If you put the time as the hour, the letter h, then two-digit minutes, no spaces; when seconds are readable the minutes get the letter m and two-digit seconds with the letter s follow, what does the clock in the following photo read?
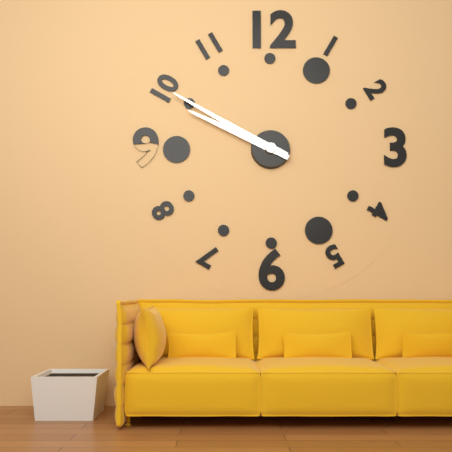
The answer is 9h50
